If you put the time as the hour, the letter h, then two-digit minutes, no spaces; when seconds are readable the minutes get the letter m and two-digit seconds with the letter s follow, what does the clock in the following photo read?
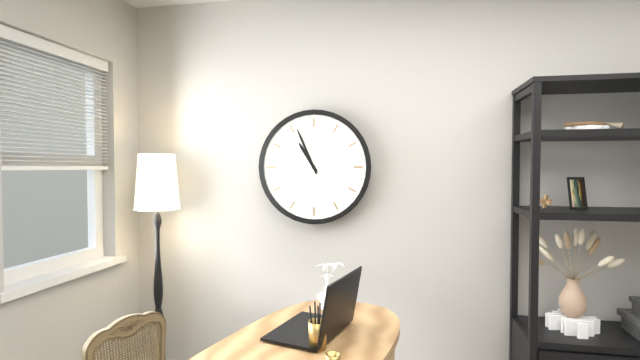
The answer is 10h56
